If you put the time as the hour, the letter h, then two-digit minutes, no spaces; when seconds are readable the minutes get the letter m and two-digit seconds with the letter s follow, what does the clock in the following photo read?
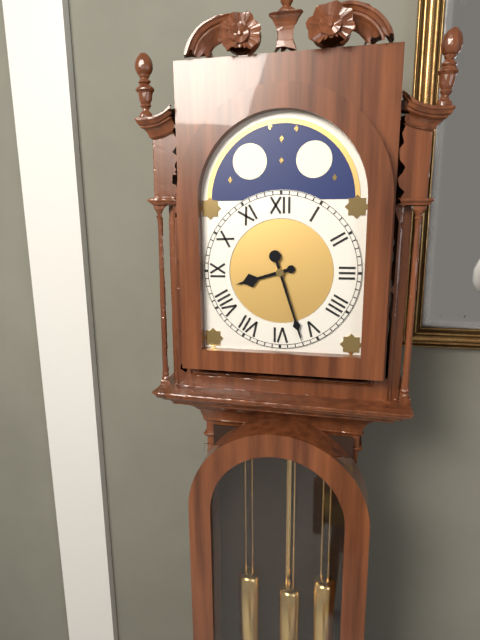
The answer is 8h27
